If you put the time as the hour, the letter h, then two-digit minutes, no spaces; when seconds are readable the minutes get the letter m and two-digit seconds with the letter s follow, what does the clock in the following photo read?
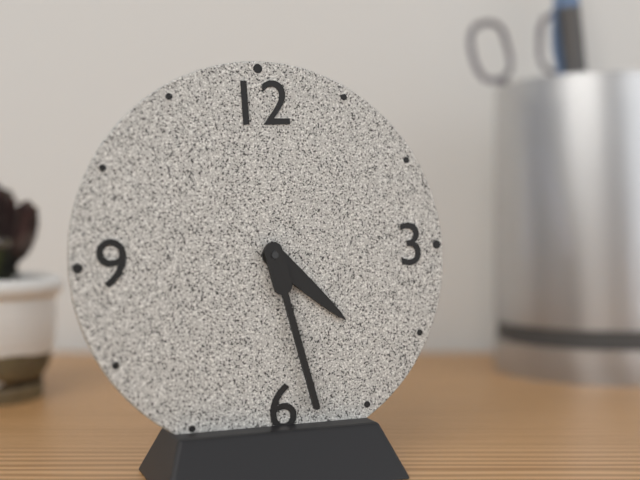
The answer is 4h28
